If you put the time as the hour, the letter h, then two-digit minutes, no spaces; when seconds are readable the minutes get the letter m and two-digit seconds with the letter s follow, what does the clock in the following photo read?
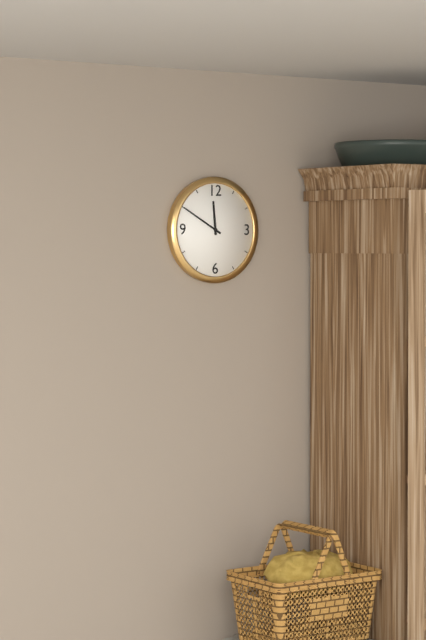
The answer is 11h50
